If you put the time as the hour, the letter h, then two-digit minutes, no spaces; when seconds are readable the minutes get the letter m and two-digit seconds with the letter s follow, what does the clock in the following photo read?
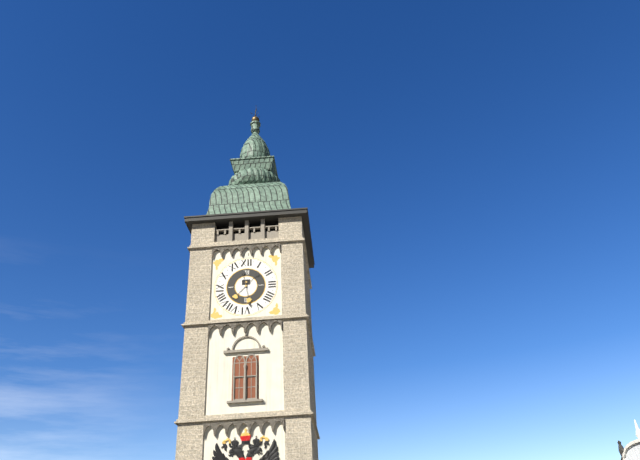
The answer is 7h28
